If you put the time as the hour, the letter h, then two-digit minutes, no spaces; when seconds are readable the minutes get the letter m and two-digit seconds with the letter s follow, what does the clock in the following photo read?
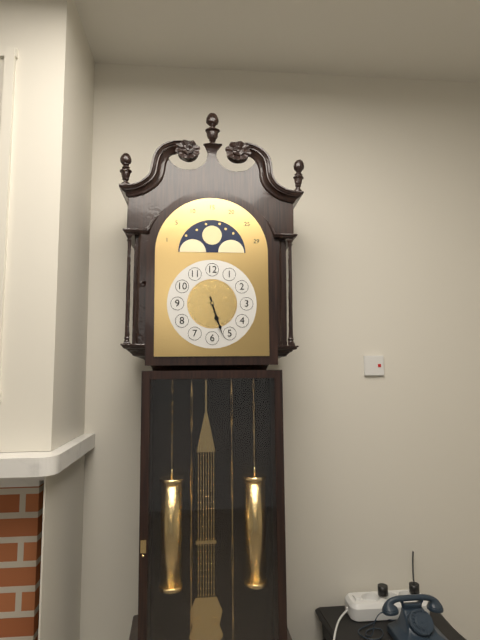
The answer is 5h27
